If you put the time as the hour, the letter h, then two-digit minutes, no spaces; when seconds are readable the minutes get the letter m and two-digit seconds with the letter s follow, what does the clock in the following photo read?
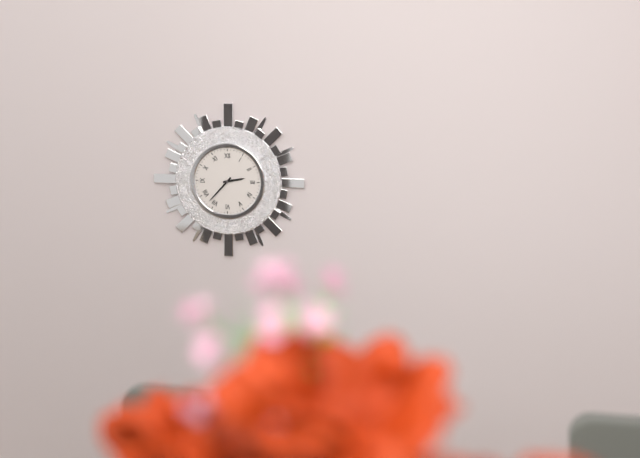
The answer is 2h37
